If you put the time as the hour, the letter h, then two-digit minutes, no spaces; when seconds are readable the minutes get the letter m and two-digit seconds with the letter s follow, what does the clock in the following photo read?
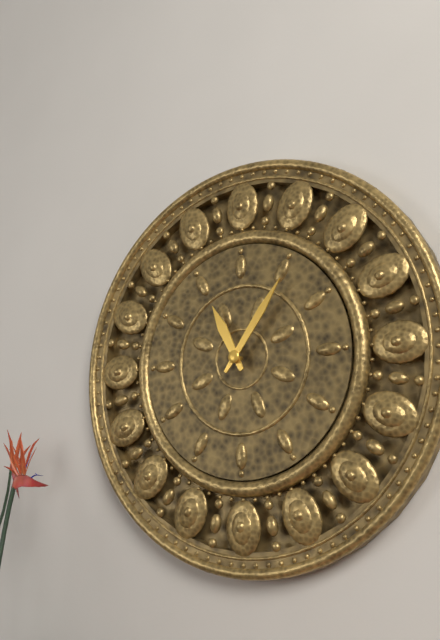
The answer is 11h06
